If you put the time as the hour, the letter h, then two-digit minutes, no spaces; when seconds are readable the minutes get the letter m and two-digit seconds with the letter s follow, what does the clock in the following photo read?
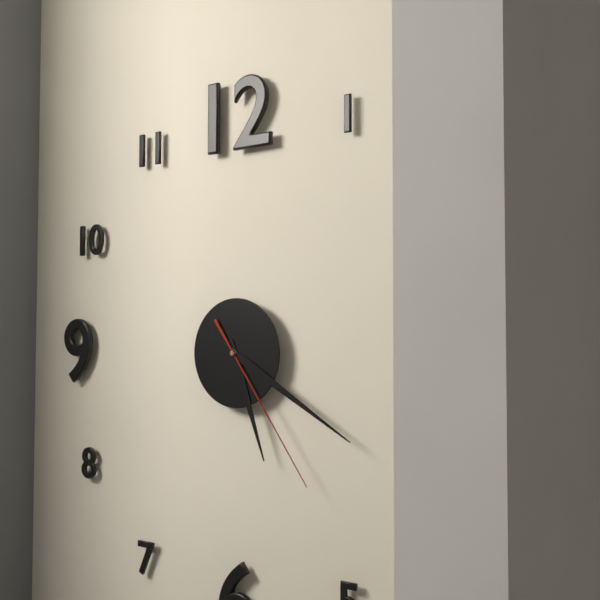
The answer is 5h20m24s
